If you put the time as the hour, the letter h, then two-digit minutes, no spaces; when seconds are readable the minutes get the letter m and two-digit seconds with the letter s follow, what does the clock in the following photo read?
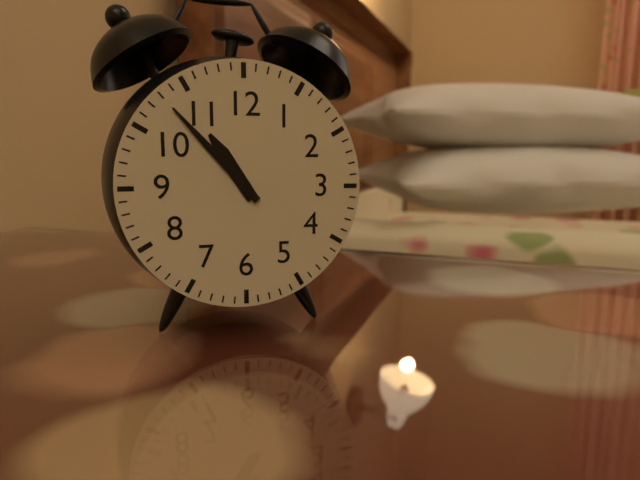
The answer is 10h53
